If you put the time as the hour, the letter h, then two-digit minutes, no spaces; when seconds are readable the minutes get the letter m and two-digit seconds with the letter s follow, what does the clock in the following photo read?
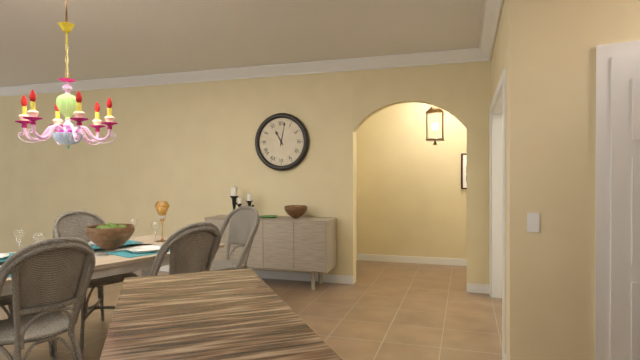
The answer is 11h02
